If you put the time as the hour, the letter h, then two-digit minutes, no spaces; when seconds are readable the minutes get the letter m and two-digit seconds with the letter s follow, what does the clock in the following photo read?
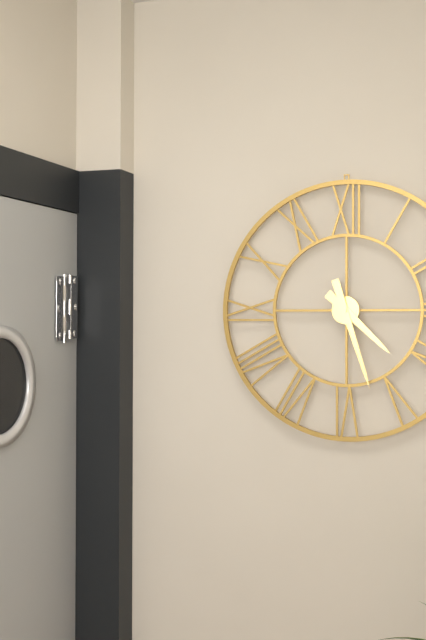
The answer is 4h27
